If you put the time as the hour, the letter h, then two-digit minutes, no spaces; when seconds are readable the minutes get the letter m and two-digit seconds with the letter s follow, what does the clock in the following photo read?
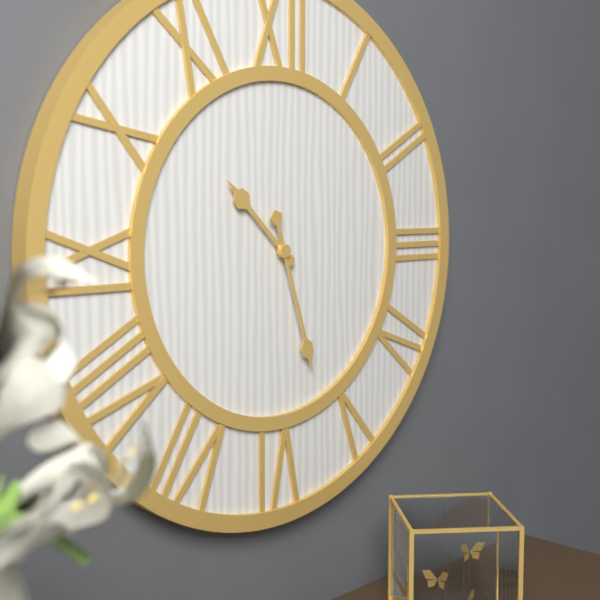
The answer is 10h27
